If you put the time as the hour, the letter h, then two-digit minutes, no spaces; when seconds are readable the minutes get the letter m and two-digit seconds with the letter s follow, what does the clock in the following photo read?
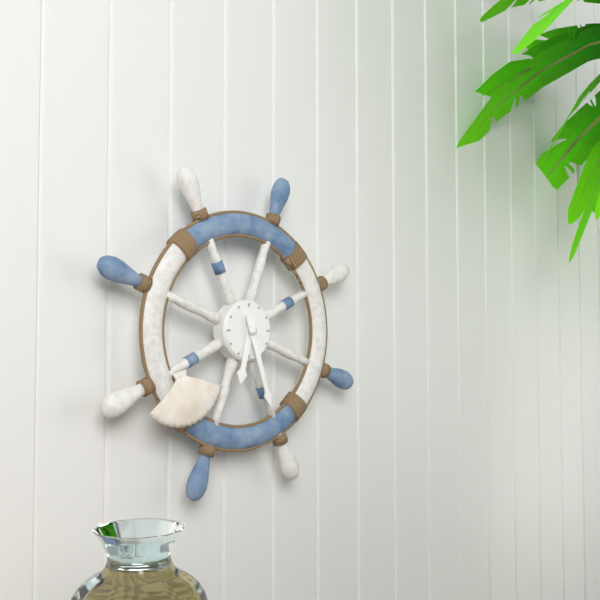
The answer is 6h27
